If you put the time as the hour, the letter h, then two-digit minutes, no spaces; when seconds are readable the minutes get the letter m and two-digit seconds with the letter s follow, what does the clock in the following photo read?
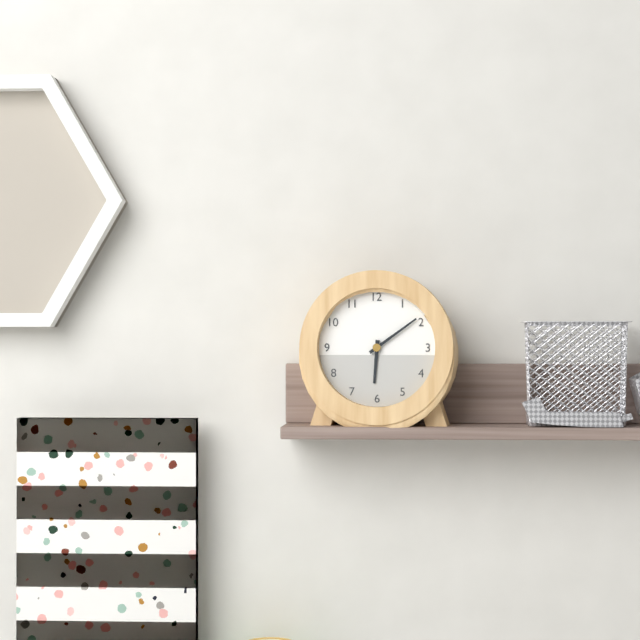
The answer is 6h09
